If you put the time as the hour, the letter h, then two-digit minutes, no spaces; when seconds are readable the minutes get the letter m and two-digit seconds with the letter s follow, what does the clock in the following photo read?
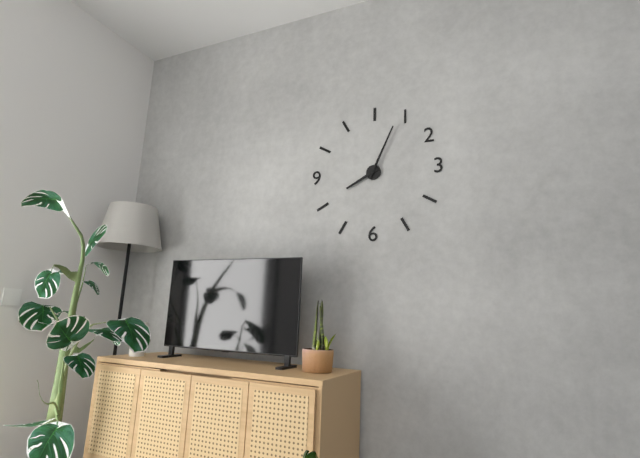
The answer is 8h04
